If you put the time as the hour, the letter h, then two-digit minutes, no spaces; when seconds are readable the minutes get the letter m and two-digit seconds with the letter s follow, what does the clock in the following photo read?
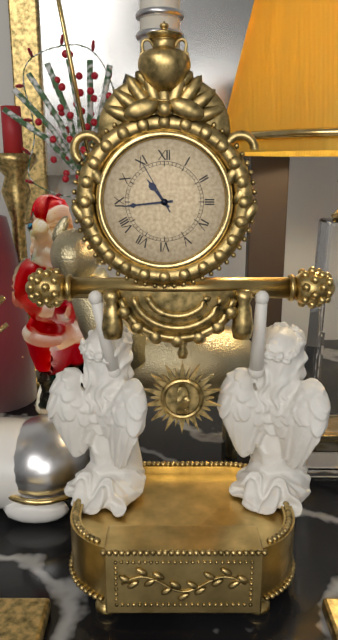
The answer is 10h44m55s
